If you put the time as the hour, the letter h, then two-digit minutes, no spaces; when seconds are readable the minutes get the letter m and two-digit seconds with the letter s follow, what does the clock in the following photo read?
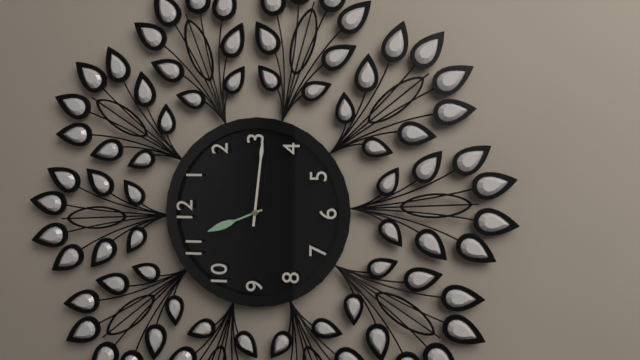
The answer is 11h16
